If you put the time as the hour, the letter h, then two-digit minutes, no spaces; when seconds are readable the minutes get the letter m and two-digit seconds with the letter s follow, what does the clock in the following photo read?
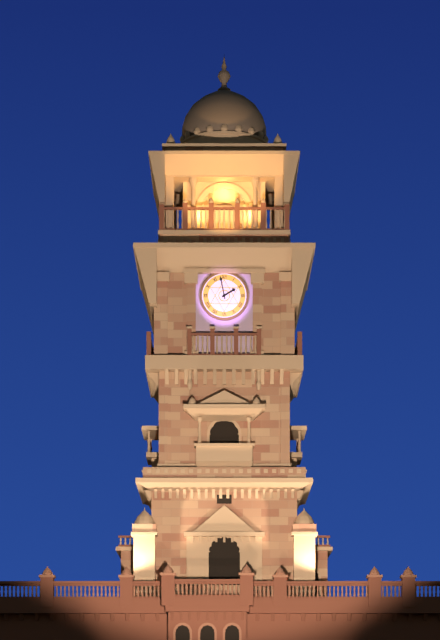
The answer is 1h58
